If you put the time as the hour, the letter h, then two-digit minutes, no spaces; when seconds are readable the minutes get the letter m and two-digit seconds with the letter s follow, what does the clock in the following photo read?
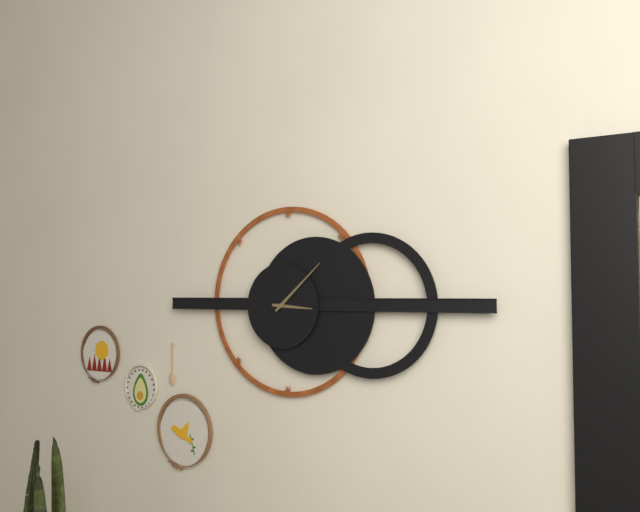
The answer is 3h08
